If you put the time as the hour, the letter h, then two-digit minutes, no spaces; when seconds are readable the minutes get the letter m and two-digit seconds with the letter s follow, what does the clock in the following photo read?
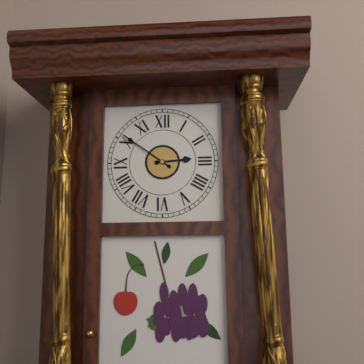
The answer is 2h51
